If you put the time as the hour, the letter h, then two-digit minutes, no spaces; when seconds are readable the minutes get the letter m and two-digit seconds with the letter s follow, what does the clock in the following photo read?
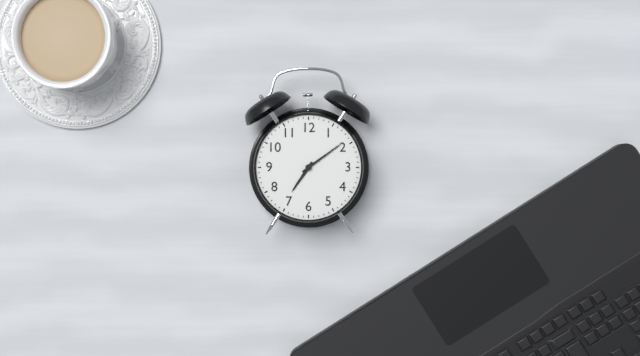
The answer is 7h09
